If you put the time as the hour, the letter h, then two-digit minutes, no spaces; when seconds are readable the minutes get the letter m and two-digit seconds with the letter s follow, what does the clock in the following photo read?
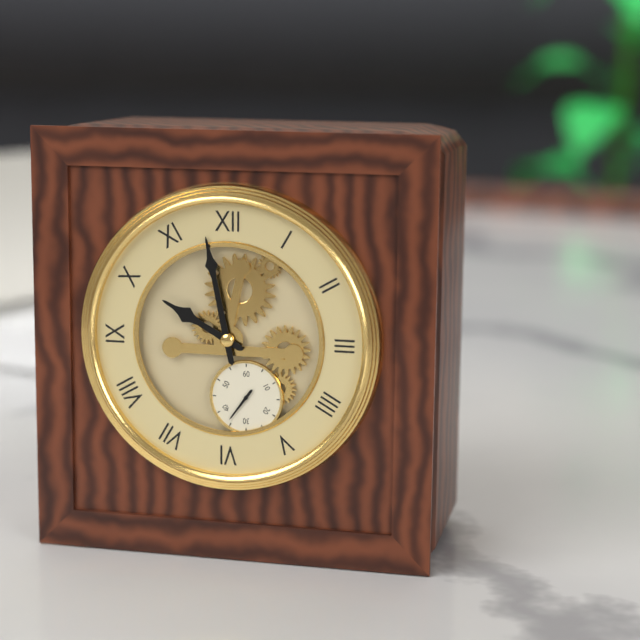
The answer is 9h58
